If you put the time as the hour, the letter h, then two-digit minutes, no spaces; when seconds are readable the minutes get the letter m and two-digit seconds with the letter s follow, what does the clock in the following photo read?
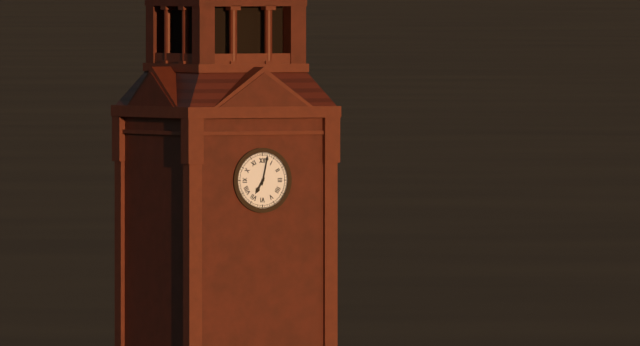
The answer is 7h02
